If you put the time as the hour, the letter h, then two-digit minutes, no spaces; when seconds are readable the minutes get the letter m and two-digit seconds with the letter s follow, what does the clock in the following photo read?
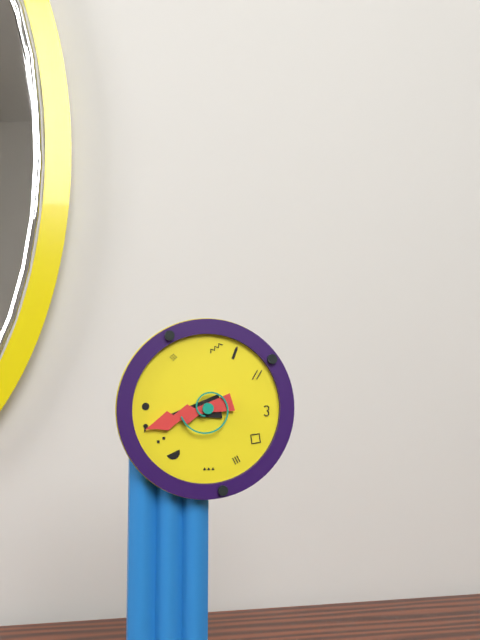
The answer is 8h42
